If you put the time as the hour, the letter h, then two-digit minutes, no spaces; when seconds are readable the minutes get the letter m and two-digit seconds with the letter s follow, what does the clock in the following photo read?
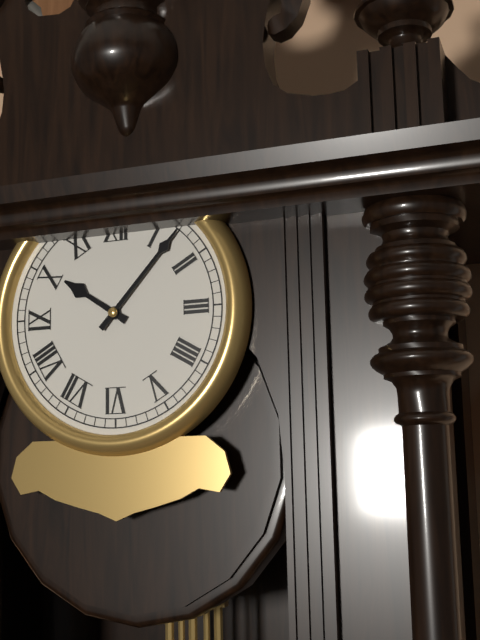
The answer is 10h07
